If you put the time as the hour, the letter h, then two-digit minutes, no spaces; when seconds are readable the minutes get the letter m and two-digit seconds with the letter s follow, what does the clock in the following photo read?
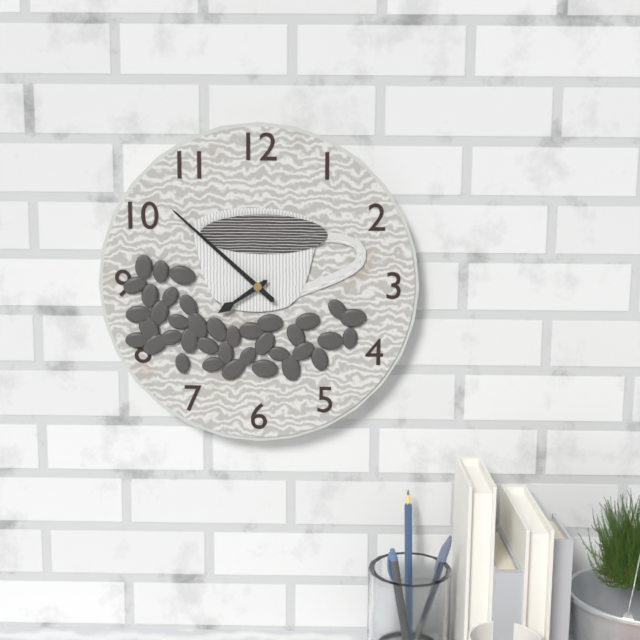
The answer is 7h52
